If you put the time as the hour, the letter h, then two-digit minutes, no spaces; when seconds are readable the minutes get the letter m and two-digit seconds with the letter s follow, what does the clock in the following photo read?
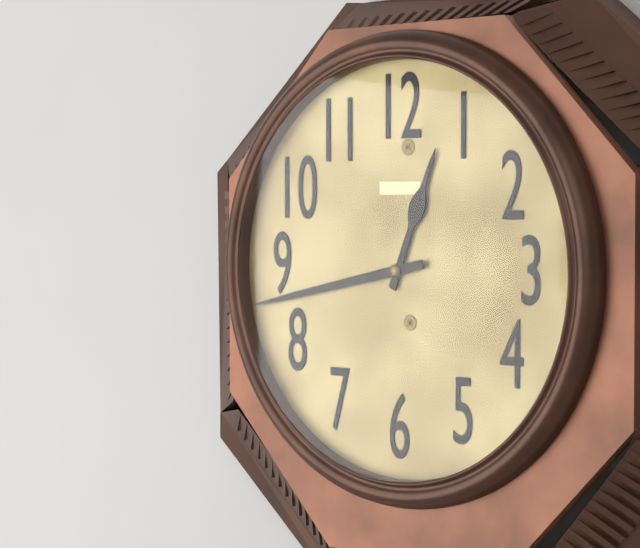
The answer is 12h43
